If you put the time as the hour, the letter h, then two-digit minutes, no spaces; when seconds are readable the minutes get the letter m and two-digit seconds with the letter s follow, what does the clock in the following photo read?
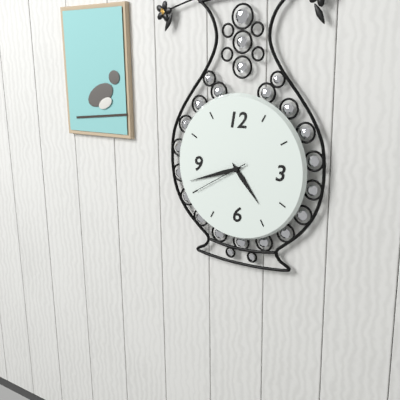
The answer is 4h42m40s
